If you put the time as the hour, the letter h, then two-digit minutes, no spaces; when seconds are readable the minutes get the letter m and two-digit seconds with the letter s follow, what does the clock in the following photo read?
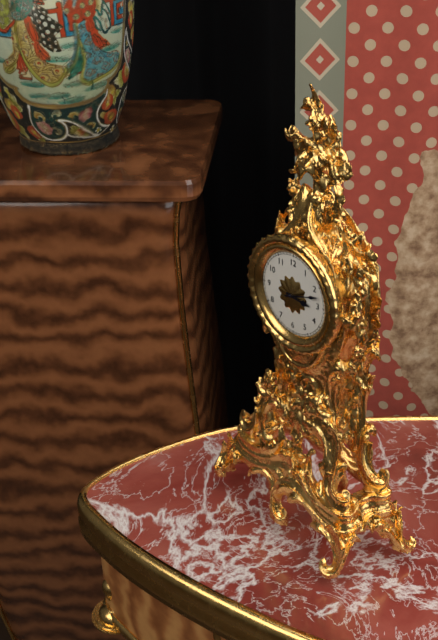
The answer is 3h12
